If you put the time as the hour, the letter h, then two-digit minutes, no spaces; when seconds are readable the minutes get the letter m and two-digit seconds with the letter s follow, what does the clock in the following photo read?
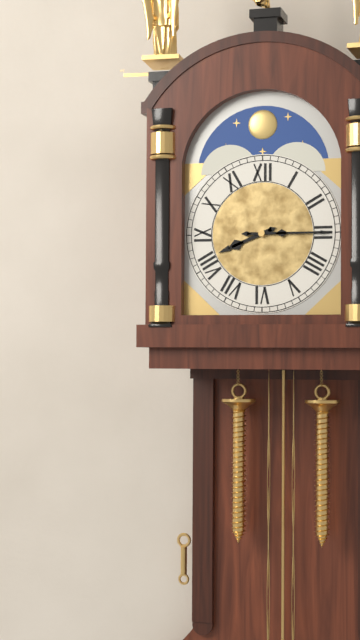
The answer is 8h15
